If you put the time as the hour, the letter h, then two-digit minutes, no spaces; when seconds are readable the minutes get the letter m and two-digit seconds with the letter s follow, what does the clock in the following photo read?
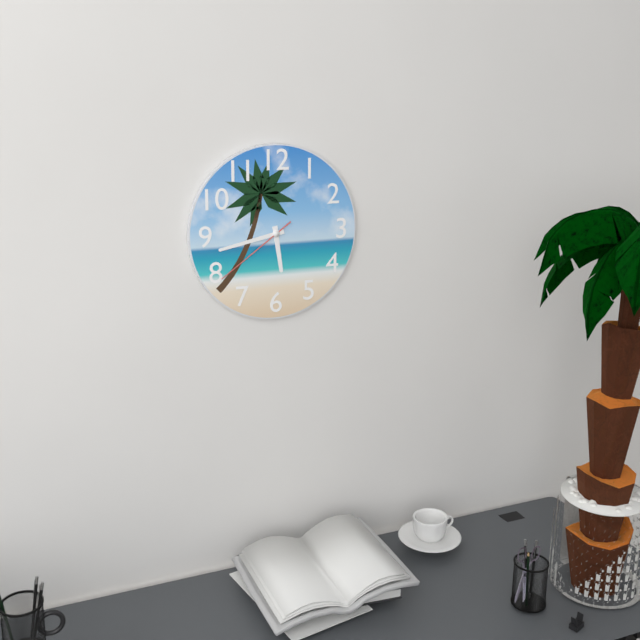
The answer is 5h43m39s
